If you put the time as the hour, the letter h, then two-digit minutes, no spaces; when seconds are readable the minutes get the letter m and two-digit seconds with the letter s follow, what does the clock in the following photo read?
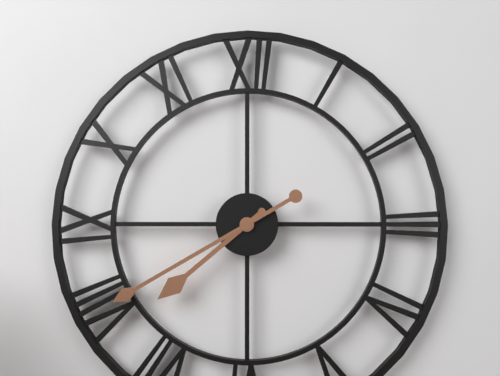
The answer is 7h40
